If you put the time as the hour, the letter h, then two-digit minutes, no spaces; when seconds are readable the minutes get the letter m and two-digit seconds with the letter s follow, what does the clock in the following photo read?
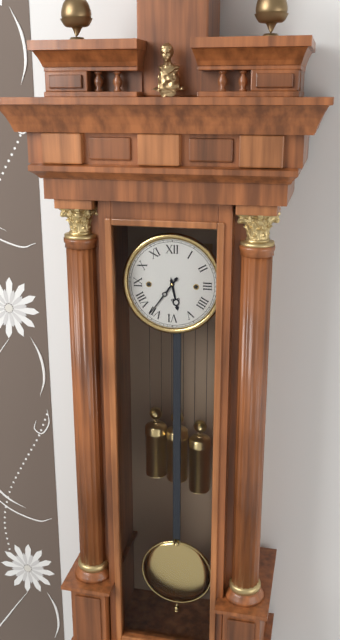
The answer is 5h36
